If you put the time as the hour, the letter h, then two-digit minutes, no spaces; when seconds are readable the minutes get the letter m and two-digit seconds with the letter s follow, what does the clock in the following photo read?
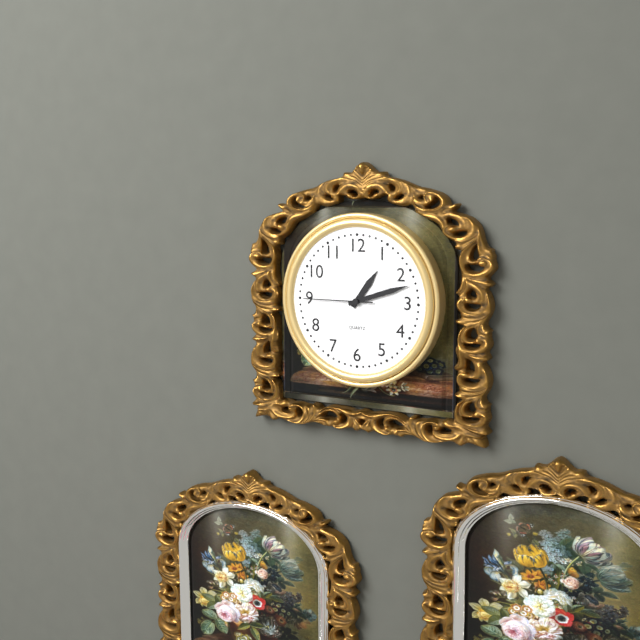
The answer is 1h12m45s
